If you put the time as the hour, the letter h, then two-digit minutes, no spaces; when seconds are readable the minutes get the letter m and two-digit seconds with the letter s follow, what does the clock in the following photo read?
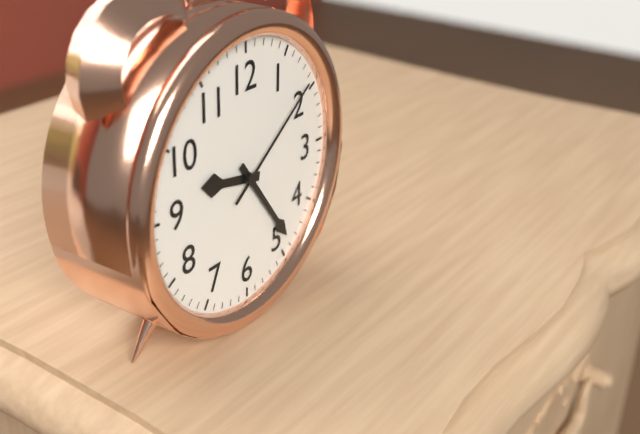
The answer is 9h24m09s
